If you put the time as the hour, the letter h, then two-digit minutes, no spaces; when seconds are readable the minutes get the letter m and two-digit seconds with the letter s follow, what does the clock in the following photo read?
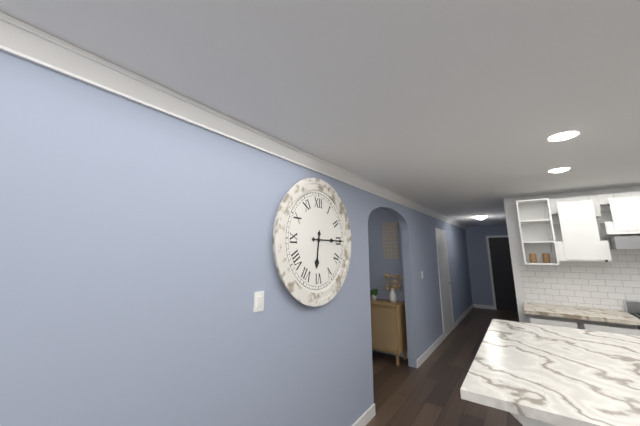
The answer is 6h15
